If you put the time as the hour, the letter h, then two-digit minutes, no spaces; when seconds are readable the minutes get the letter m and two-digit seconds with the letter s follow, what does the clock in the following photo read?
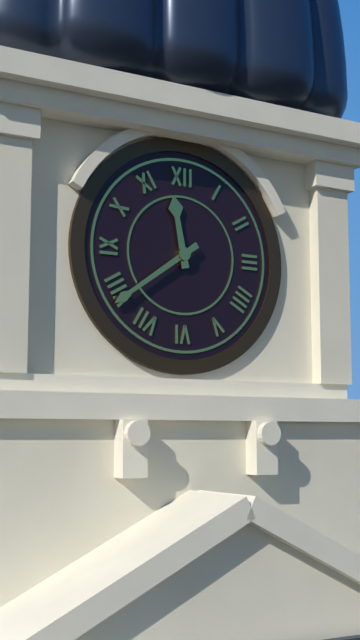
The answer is 11h39
